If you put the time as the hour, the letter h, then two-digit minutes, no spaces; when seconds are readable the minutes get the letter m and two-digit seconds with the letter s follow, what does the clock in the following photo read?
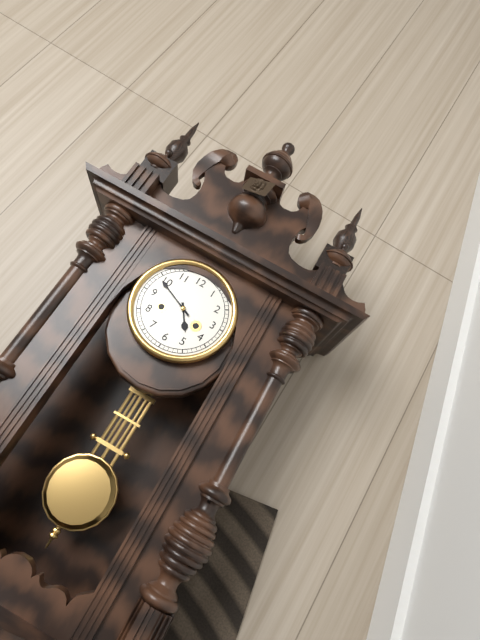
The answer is 4h49
